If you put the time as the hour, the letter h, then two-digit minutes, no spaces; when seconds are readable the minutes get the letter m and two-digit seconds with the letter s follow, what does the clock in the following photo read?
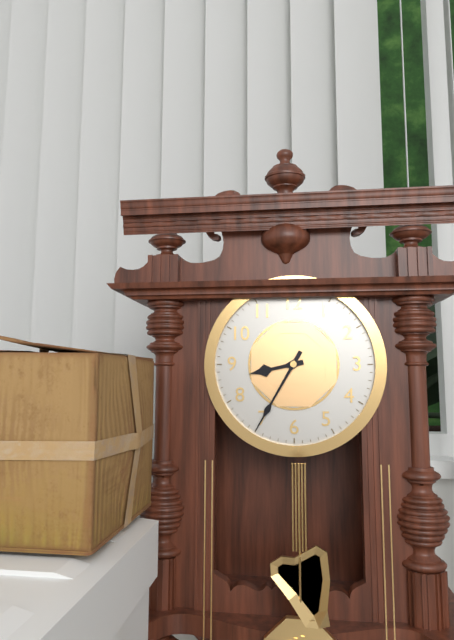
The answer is 8h35
